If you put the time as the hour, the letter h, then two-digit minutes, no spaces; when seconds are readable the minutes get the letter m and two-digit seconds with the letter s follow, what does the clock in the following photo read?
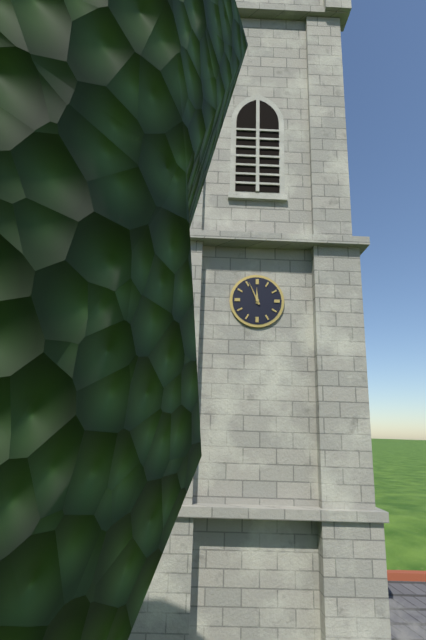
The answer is 11h56
